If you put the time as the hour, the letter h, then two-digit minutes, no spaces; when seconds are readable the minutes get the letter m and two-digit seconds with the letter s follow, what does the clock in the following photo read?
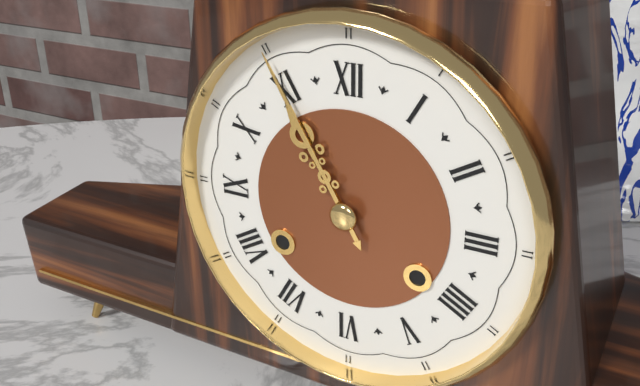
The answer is 10h55
